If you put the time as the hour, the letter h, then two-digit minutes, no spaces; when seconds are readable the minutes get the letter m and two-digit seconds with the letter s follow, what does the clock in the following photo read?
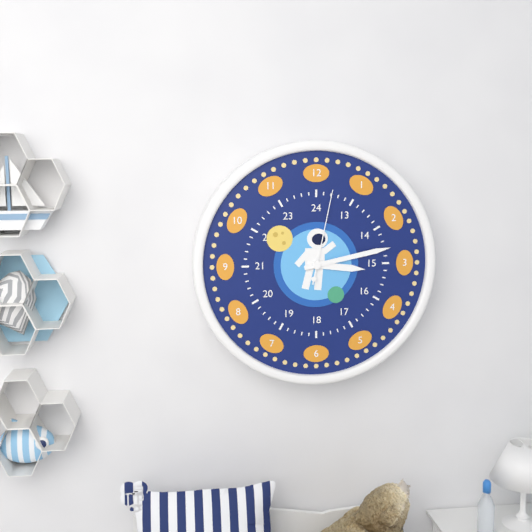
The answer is 3h13m02s
